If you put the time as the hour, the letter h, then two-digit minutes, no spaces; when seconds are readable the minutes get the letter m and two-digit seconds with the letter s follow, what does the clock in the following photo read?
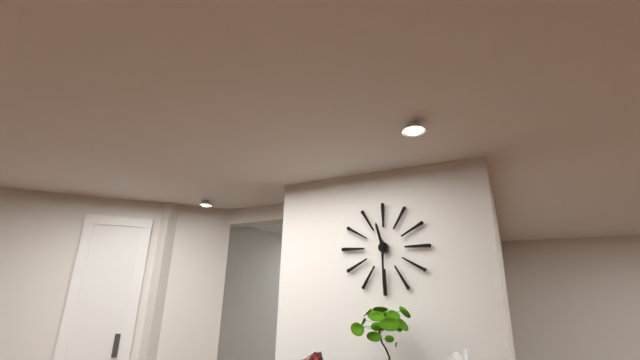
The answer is 11h30
